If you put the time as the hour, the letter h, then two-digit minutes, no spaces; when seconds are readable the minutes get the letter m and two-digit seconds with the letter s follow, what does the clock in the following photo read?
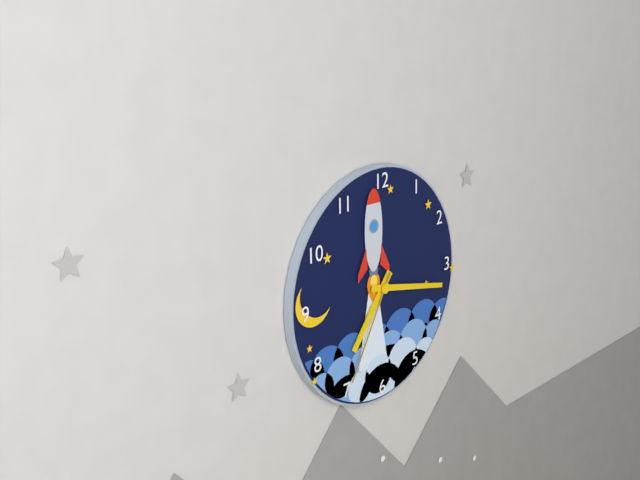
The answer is 7h17m35s
